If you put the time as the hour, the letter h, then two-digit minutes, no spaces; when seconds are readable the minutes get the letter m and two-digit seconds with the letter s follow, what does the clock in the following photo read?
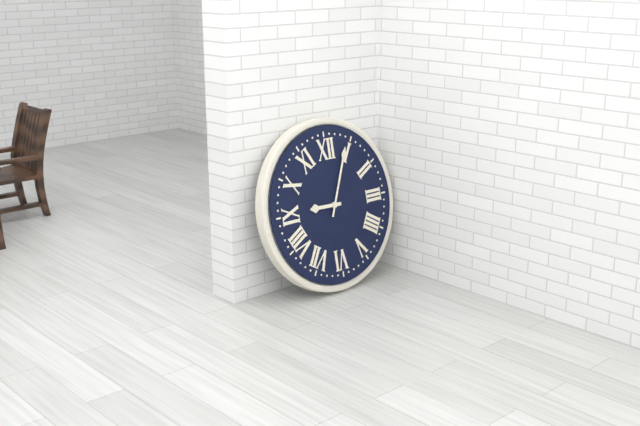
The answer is 9h04
